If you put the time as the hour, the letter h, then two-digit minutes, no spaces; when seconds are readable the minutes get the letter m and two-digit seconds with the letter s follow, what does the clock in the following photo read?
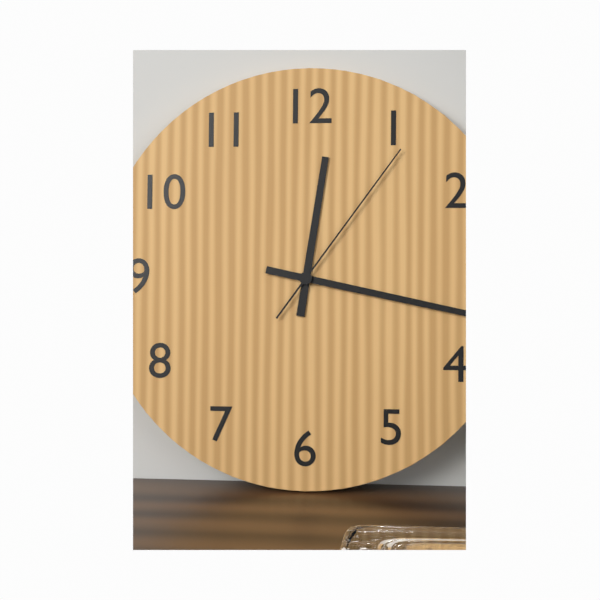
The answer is 12h17m06s
